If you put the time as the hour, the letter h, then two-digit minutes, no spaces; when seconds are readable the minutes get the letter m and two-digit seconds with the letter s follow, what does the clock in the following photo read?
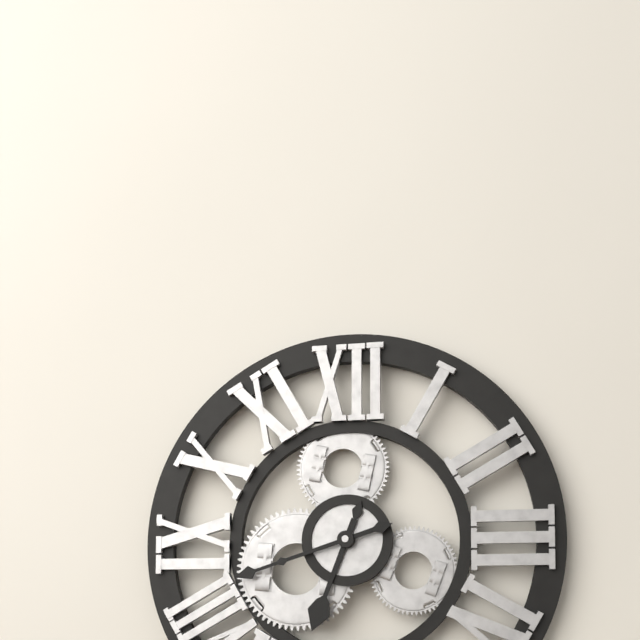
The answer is 6h42
